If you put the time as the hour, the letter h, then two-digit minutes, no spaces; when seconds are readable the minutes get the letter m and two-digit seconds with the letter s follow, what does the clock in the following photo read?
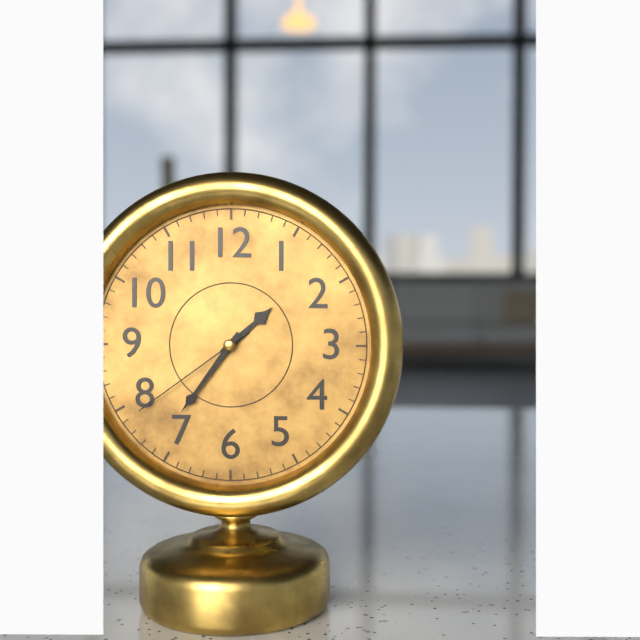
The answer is 1h36m39s
